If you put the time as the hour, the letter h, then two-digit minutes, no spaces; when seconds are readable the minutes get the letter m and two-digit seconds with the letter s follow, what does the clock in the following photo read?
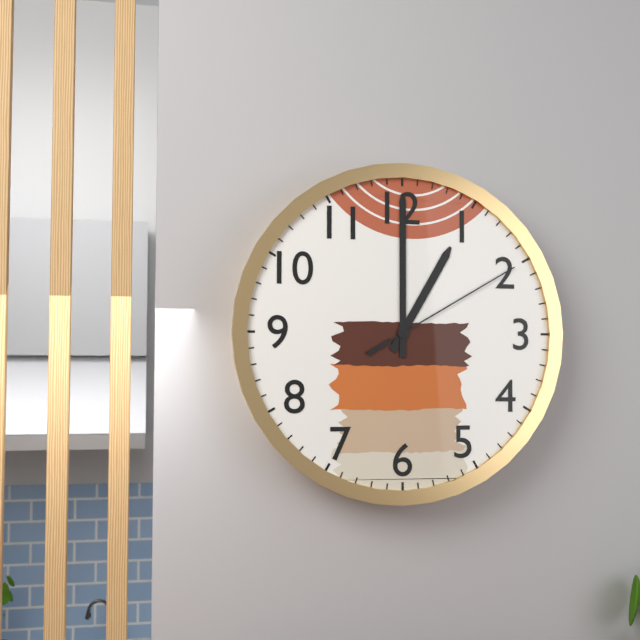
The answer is 1h00m10s
